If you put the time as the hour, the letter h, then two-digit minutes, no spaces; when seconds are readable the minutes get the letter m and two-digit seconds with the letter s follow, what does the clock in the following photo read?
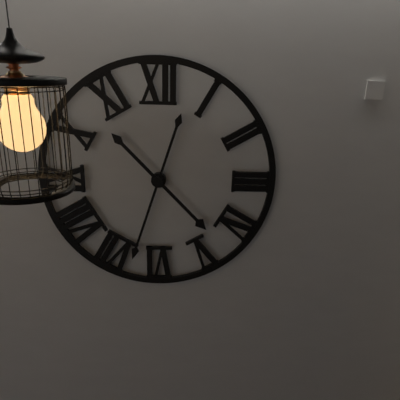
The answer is 4h33
